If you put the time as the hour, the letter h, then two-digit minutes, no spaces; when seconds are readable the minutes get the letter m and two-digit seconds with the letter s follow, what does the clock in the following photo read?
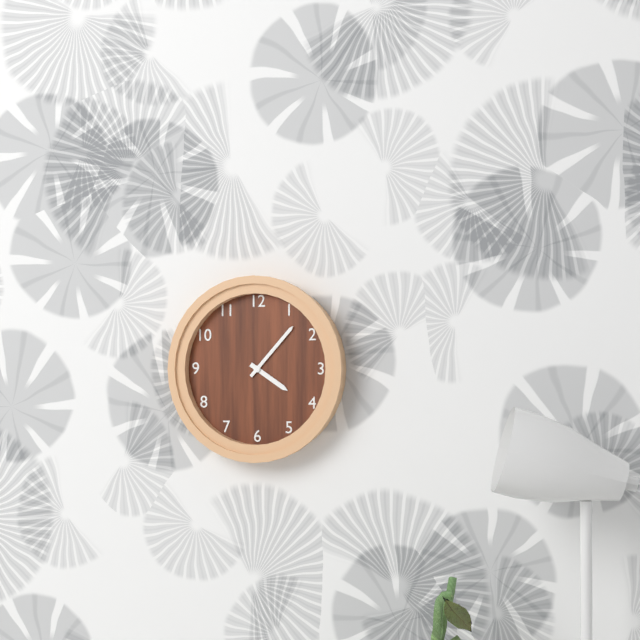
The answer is 4h07
